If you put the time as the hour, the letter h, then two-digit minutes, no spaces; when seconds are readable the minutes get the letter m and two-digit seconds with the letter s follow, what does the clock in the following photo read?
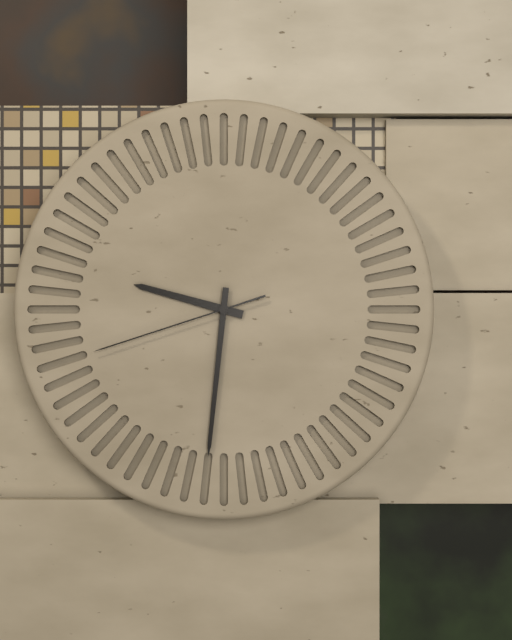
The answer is 9h31m42s
